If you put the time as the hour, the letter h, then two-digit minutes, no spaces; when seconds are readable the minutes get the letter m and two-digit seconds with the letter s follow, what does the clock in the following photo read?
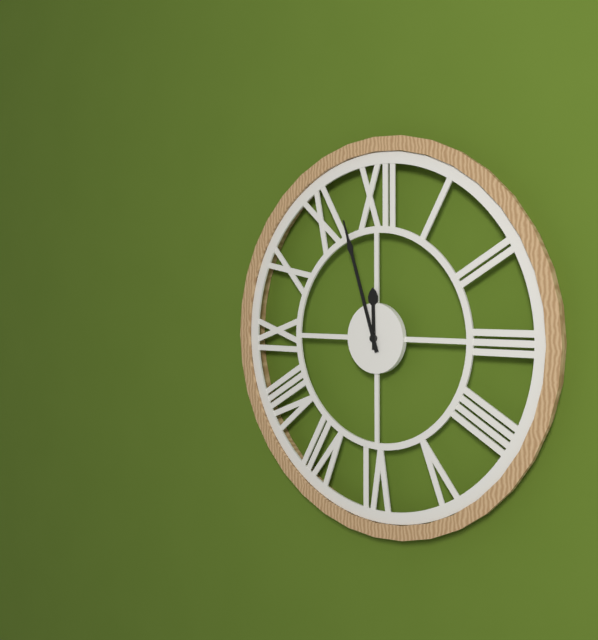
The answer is 11h57
